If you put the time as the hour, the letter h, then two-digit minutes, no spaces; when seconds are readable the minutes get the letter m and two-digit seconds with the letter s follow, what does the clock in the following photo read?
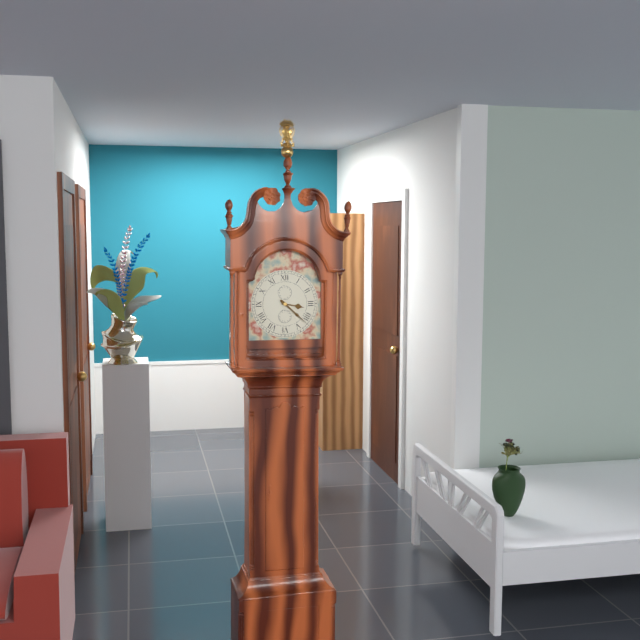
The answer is 3h22
